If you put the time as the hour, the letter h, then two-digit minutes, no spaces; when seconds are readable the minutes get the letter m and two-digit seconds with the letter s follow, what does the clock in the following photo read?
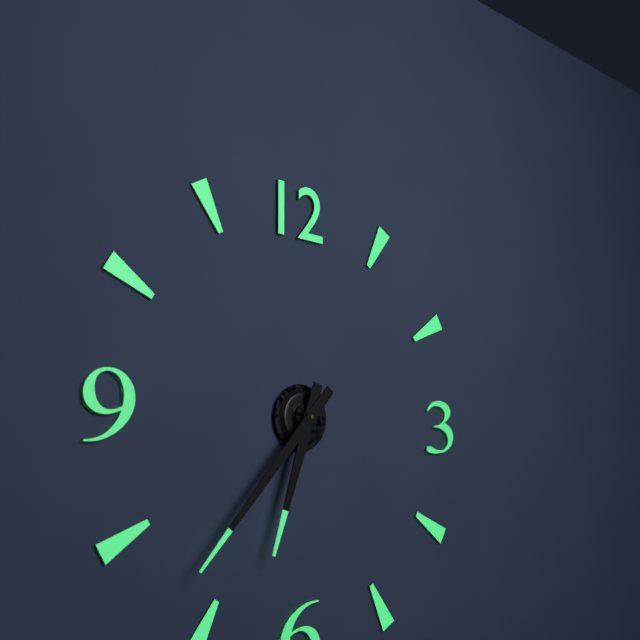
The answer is 6h37
